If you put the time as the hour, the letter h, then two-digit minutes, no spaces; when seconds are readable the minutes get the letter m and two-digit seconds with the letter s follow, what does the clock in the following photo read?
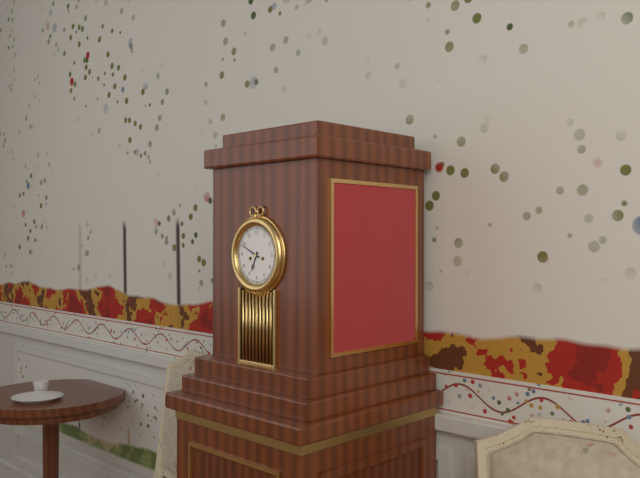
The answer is 6h49
